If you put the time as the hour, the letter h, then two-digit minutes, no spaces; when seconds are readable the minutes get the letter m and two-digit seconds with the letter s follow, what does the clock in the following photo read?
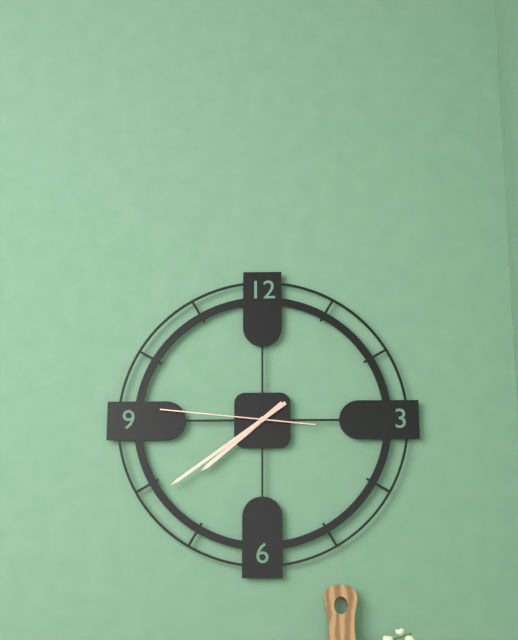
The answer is 7h39m46s
